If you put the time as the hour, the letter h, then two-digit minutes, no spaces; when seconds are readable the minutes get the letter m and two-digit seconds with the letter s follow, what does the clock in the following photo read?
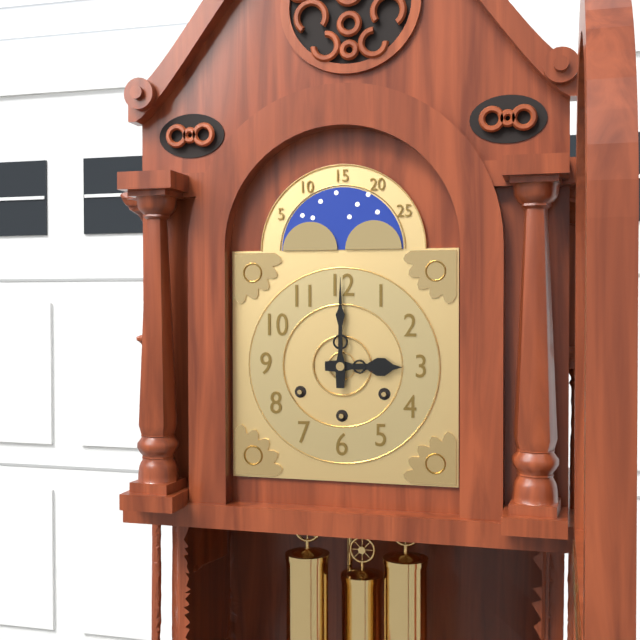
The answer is 3h00
